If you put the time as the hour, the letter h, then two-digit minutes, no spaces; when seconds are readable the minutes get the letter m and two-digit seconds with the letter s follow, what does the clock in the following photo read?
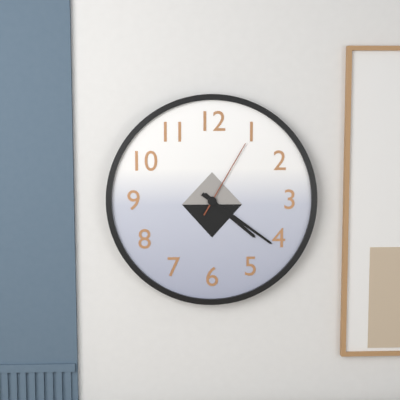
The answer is 4h21m05s
